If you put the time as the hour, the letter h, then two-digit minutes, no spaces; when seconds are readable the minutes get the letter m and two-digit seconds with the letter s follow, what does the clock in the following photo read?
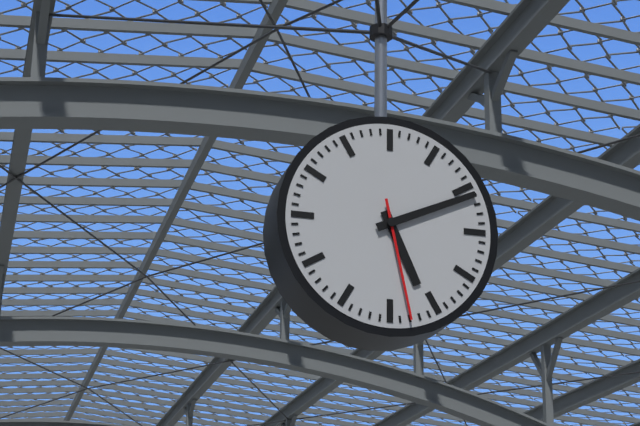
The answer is 5h11m28s
